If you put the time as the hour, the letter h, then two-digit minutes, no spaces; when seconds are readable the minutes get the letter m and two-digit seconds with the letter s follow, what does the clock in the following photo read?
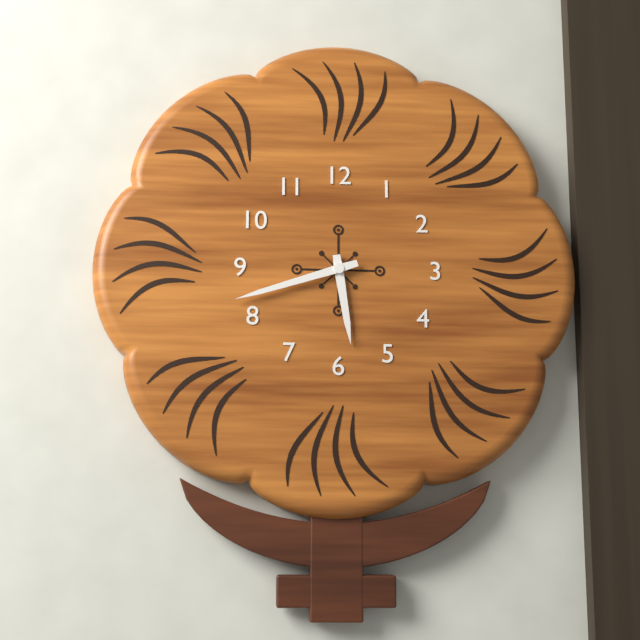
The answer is 5h42
